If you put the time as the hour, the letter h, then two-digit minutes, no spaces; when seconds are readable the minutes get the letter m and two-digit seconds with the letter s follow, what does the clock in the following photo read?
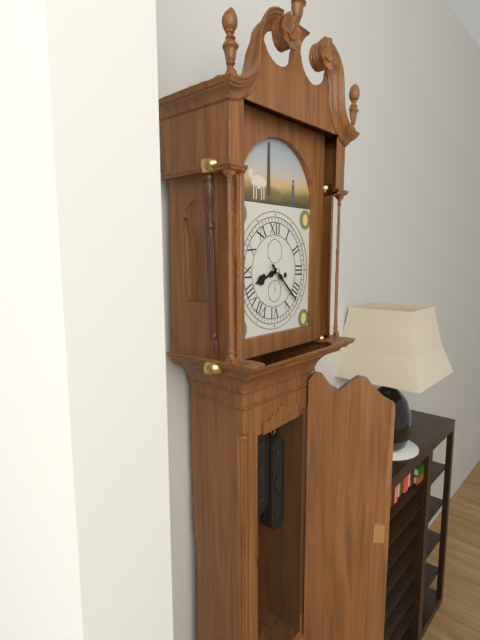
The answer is 8h22
